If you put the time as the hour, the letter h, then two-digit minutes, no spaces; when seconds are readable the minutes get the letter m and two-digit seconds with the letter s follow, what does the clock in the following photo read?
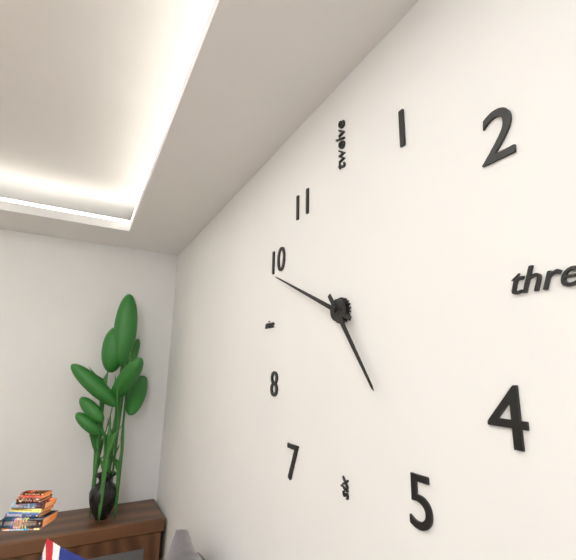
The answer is 4h49
